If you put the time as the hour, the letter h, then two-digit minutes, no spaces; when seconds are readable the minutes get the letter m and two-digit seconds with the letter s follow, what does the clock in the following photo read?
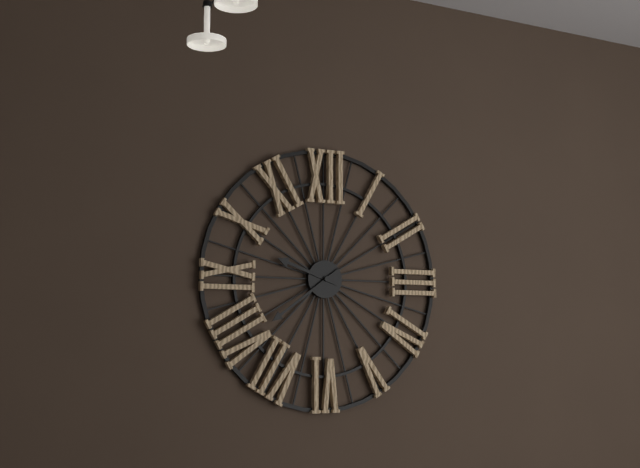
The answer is 9h39
